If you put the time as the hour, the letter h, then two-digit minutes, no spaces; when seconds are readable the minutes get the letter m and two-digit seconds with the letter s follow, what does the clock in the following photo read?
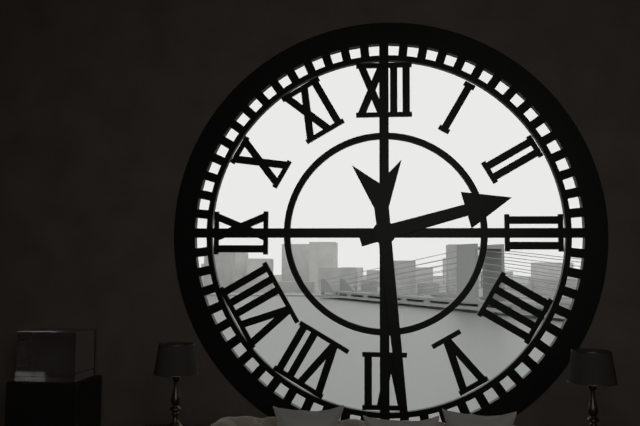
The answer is 2h29
